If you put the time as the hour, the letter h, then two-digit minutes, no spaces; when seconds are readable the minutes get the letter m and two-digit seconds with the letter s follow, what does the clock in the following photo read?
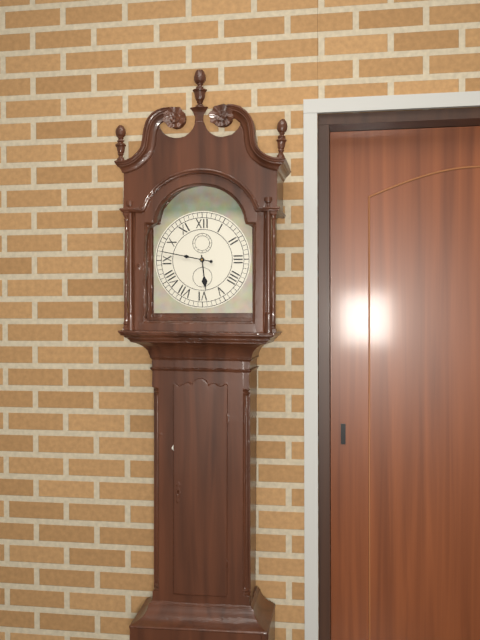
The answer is 5h47
